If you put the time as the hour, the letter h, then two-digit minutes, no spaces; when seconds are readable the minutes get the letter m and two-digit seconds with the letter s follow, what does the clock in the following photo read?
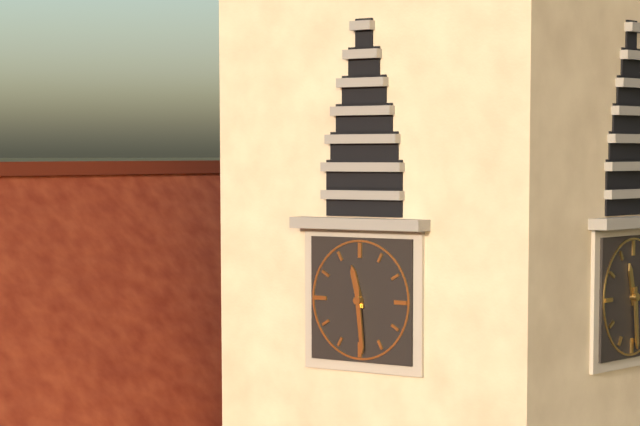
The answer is 11h29
